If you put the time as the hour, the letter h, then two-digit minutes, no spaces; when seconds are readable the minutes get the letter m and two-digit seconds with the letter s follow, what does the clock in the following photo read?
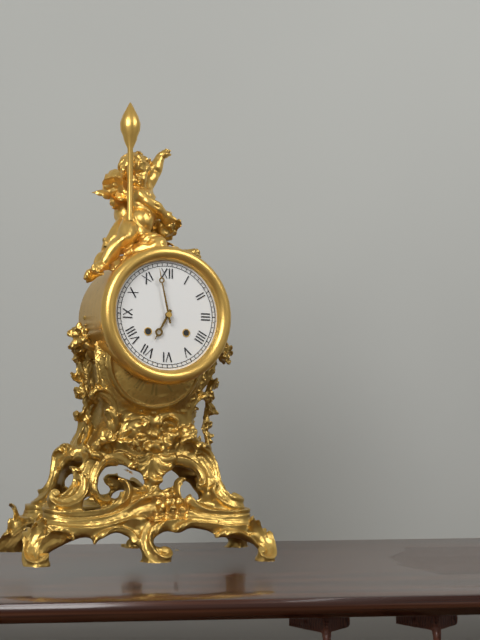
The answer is 6h58
